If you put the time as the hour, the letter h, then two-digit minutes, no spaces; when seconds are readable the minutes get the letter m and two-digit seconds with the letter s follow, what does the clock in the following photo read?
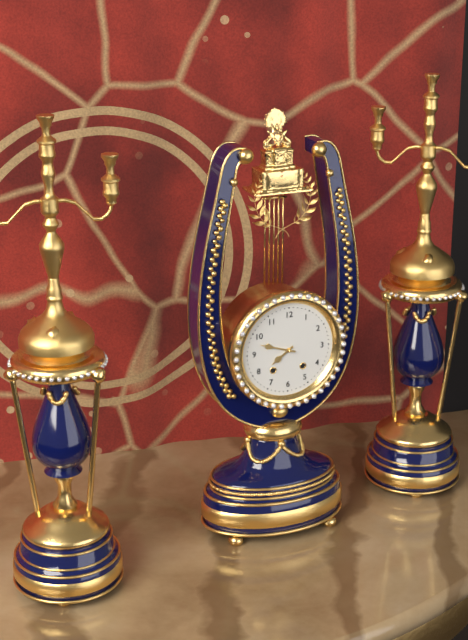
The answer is 7h48
